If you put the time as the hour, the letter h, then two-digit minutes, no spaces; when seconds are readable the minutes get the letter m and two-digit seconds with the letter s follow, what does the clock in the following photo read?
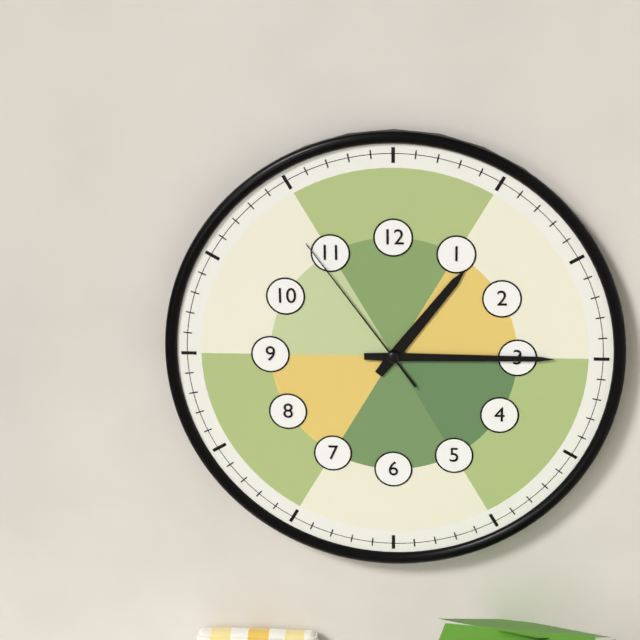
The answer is 1h15m54s
